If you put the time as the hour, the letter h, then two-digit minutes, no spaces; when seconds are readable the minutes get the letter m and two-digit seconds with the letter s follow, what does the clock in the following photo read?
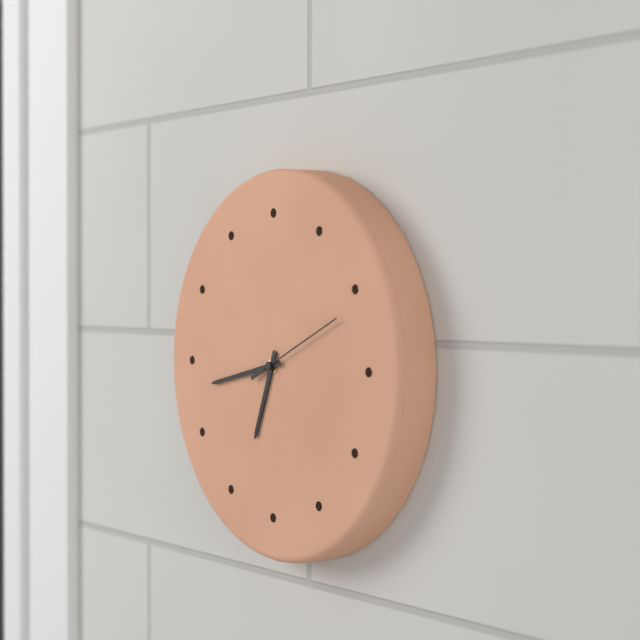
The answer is 6h43m11s
